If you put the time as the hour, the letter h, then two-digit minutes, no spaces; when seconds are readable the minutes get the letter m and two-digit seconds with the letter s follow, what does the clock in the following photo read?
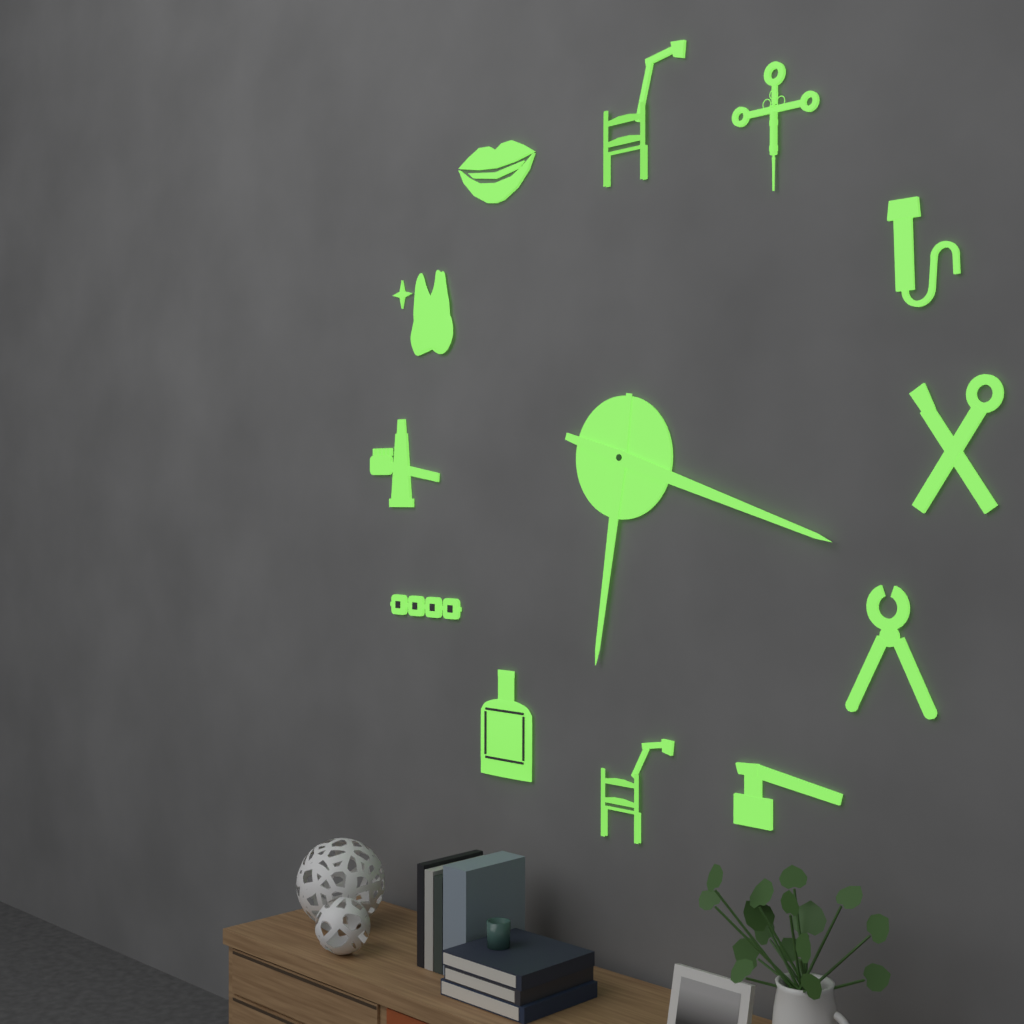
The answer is 6h18
